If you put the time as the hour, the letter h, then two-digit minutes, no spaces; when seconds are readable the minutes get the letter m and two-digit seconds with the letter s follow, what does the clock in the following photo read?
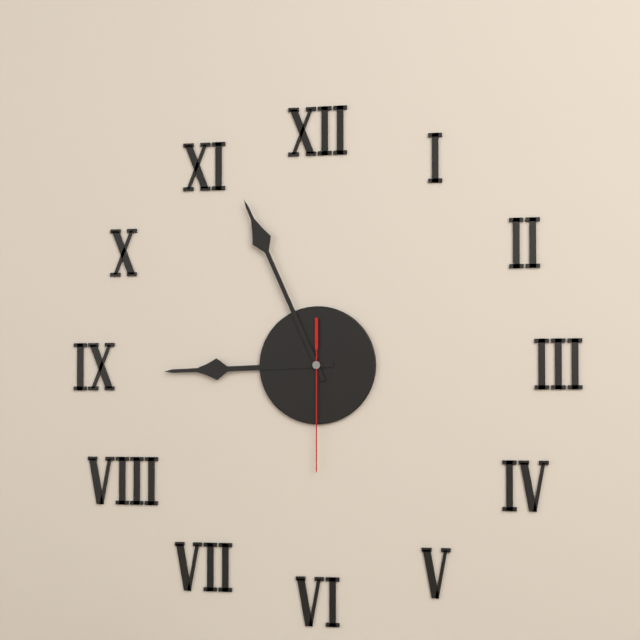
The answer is 8h56m30s
